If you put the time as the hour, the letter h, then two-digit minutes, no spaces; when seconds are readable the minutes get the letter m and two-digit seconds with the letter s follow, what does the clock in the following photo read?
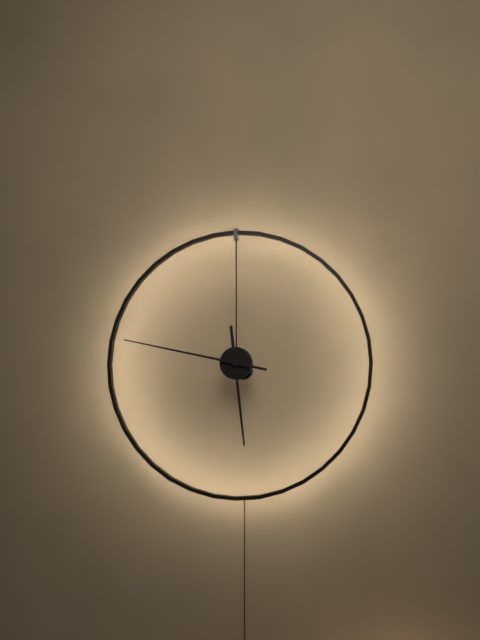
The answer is 5h47
